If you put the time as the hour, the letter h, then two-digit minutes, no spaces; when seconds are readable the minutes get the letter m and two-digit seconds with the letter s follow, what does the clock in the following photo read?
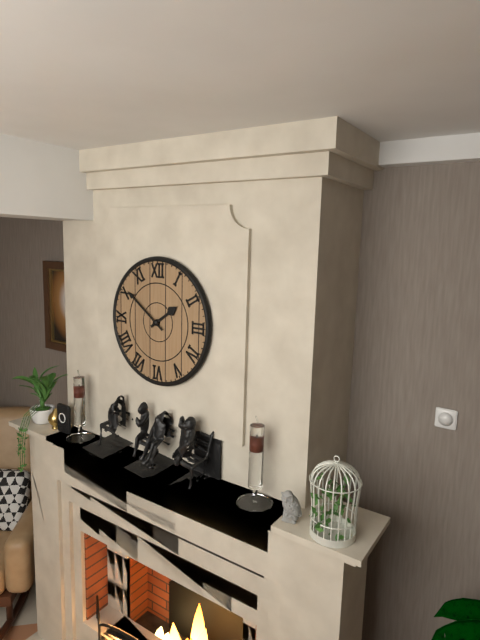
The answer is 1h51
